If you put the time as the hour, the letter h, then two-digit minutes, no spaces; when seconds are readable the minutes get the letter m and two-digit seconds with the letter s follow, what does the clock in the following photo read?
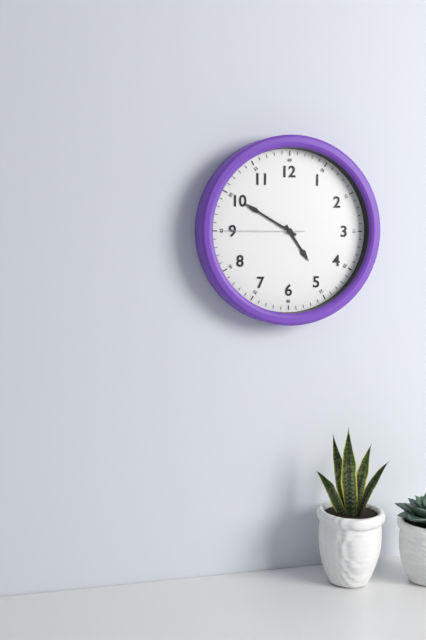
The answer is 4h50m45s
